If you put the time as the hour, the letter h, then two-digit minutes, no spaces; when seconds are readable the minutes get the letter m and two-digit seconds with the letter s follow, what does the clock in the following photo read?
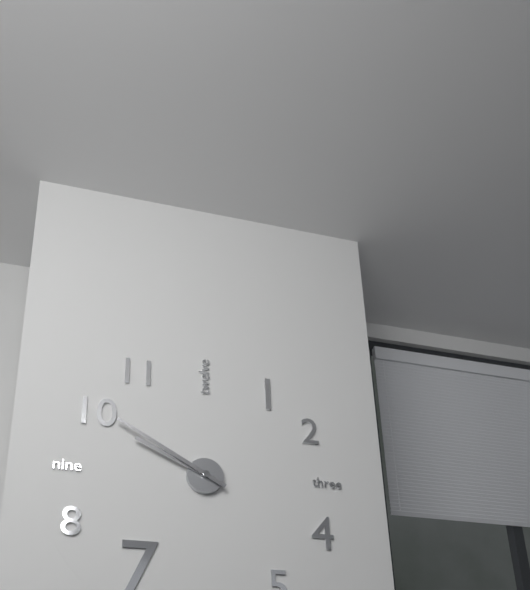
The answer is 9h50
